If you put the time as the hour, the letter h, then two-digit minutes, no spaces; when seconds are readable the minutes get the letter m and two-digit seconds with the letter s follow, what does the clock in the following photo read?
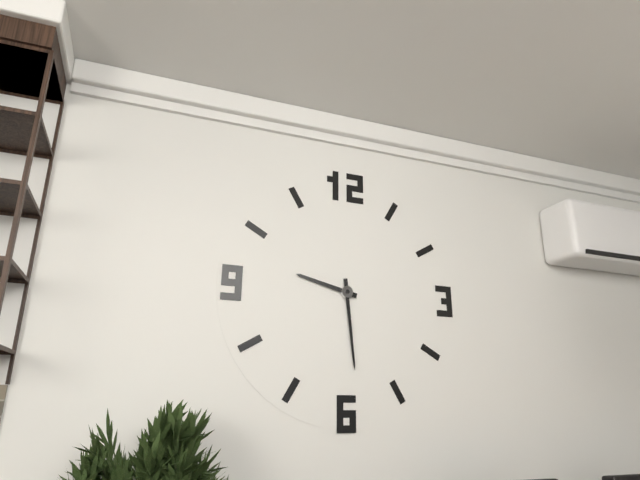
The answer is 9h29
